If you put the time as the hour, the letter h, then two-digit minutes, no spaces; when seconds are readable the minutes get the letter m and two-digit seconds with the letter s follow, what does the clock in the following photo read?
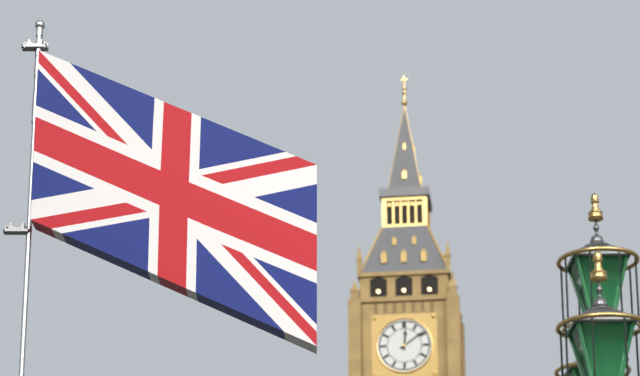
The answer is 12h09
